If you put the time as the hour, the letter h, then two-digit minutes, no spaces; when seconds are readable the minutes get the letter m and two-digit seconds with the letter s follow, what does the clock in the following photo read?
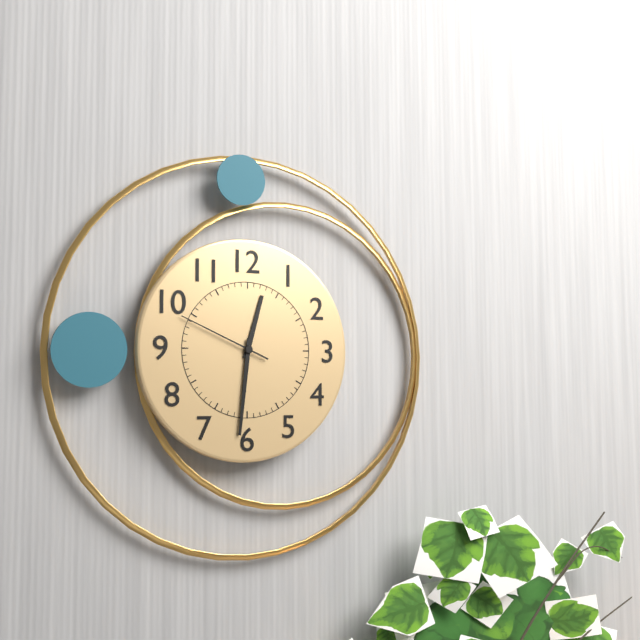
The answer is 12h31m49s
